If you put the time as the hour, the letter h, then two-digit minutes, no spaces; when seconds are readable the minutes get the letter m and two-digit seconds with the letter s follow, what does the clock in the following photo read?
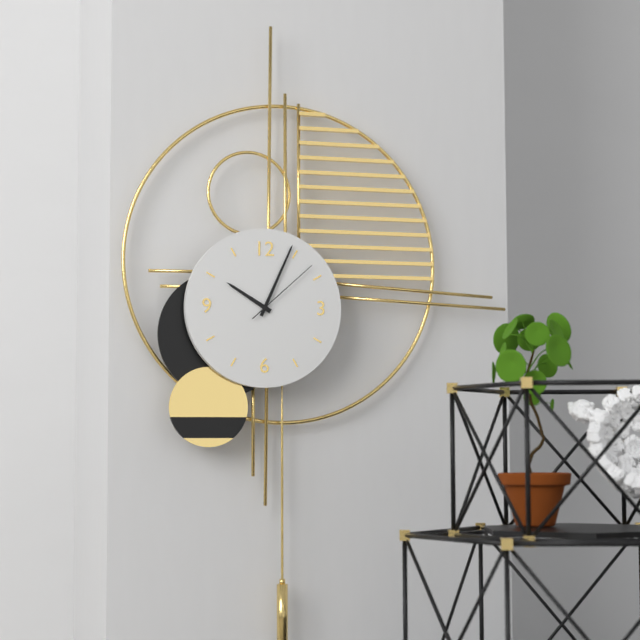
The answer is 10h04m08s
